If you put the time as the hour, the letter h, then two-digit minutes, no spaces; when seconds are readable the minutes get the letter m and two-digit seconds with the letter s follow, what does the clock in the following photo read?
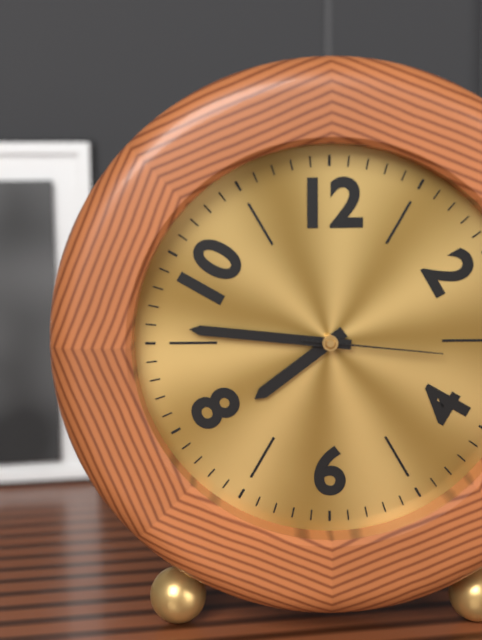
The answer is 7h46m16s
